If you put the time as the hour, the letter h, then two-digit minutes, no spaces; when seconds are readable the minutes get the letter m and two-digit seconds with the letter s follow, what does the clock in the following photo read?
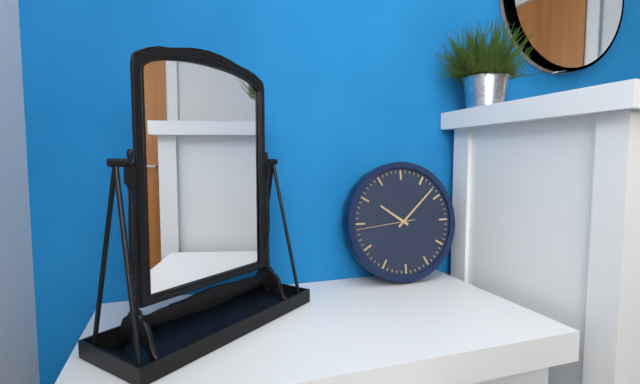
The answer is 10h08m44s
